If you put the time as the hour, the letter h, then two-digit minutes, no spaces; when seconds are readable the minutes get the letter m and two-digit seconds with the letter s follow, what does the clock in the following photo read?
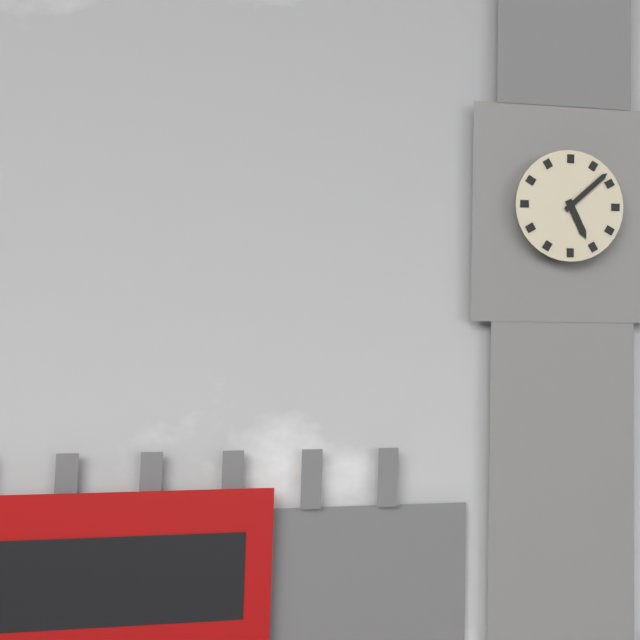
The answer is 5h08
